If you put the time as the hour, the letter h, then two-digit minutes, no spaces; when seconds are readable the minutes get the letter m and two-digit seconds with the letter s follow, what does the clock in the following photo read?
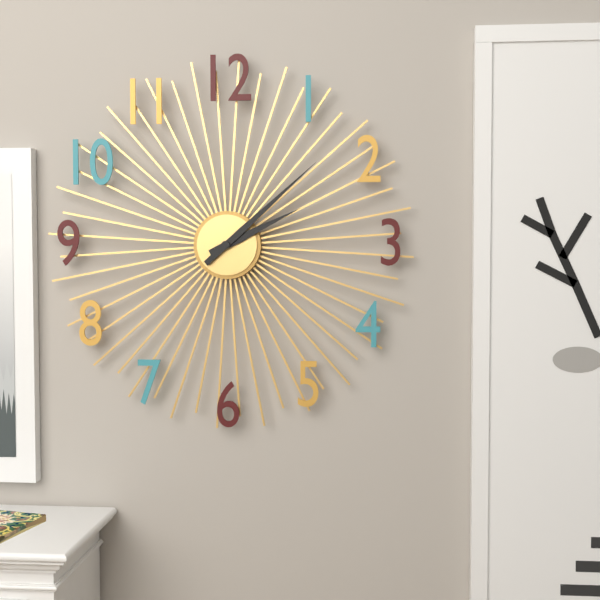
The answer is 2h08
